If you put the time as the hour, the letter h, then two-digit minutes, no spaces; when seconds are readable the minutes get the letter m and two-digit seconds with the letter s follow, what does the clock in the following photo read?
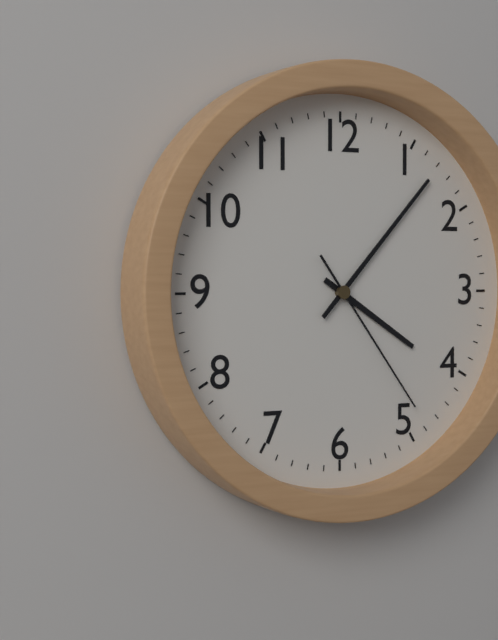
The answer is 4h07m24s
